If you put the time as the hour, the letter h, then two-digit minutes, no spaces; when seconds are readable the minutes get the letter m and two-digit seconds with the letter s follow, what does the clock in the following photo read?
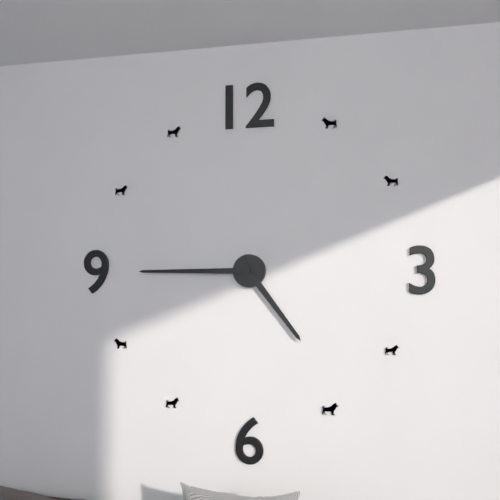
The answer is 4h45
